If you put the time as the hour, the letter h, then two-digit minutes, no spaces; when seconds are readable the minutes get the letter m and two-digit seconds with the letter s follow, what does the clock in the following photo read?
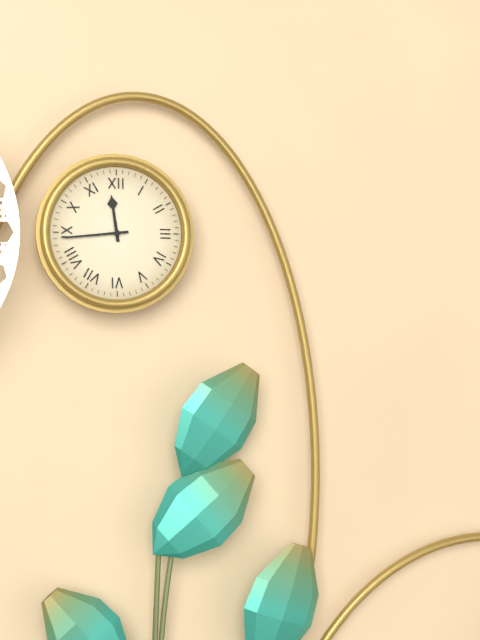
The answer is 11h44
